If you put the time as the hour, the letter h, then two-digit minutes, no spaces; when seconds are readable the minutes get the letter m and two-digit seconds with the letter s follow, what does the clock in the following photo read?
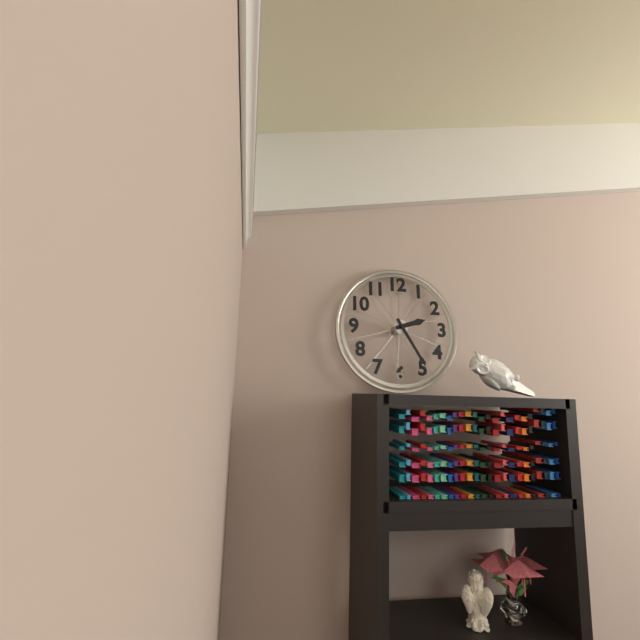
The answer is 2h25
